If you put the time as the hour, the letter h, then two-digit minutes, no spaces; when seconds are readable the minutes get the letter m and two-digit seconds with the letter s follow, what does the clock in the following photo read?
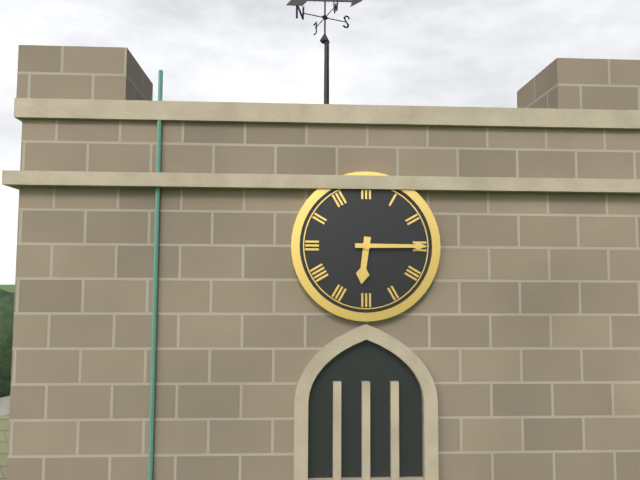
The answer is 6h15
